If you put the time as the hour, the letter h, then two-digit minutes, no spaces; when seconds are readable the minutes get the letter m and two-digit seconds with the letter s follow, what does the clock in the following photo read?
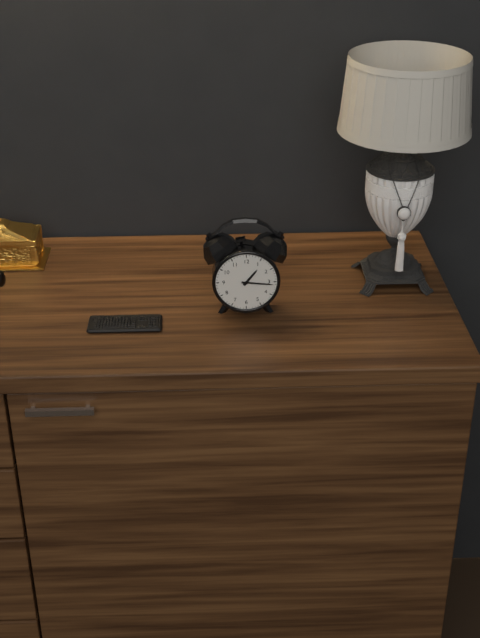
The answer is 1h16
